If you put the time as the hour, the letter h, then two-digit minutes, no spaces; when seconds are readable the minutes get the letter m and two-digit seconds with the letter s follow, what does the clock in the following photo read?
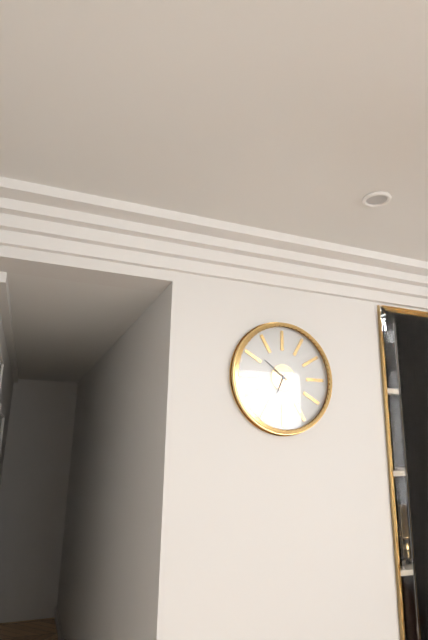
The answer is 6h51
